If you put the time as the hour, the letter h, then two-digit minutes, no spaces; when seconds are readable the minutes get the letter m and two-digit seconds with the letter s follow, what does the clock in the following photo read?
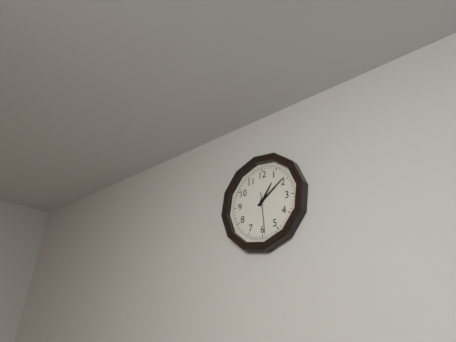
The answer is 1h09
